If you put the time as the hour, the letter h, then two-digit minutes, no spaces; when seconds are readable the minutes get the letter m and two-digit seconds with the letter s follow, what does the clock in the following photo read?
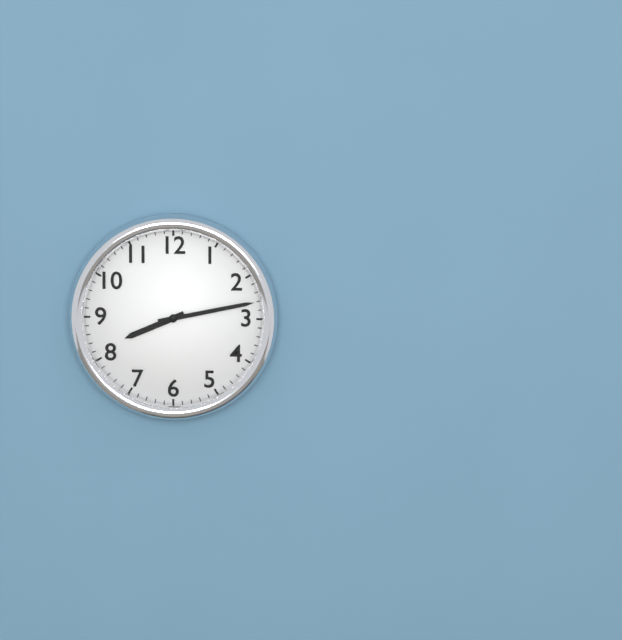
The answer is 8h13
